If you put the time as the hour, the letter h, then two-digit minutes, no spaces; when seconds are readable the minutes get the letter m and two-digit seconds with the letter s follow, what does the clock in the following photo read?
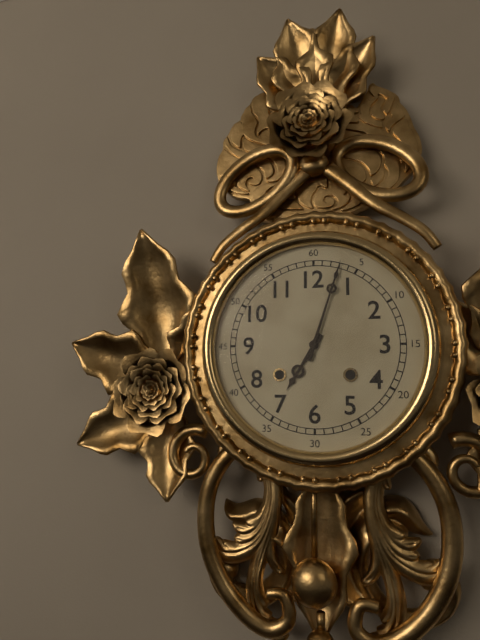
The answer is 7h03
